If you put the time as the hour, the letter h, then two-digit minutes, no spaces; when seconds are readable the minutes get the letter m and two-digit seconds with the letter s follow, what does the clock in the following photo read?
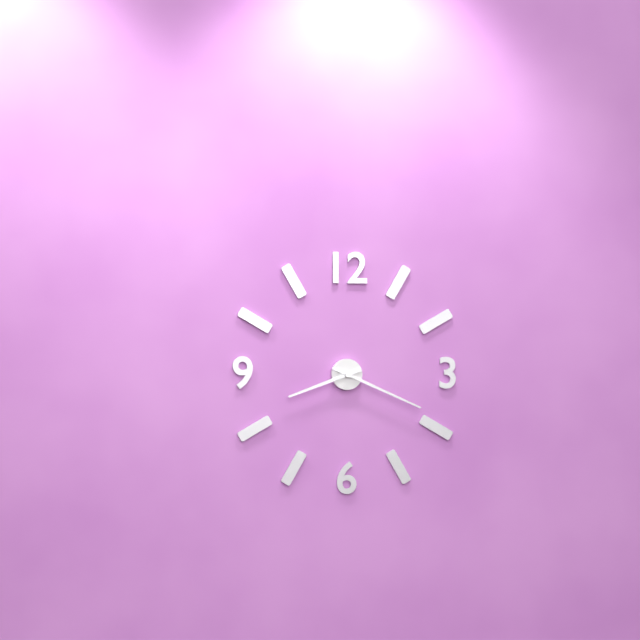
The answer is 8h19
